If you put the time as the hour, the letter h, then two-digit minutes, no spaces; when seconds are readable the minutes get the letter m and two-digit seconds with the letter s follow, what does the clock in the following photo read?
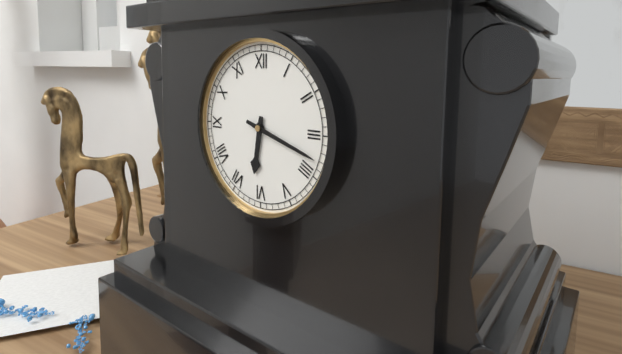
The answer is 6h18
